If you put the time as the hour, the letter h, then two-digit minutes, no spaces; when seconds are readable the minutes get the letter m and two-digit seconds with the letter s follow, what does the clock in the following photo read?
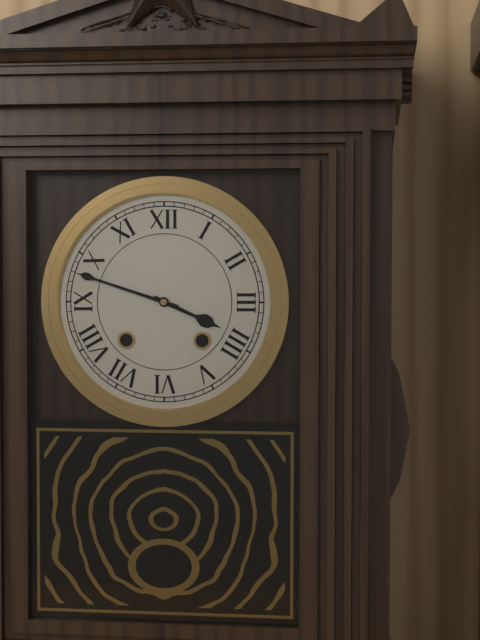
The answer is 3h48
